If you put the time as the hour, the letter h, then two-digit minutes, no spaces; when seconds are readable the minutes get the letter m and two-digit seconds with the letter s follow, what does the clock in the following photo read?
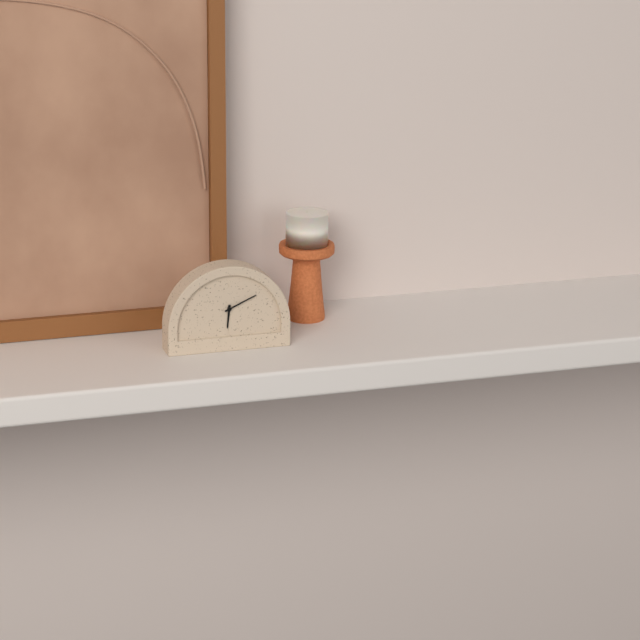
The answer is 6h11
